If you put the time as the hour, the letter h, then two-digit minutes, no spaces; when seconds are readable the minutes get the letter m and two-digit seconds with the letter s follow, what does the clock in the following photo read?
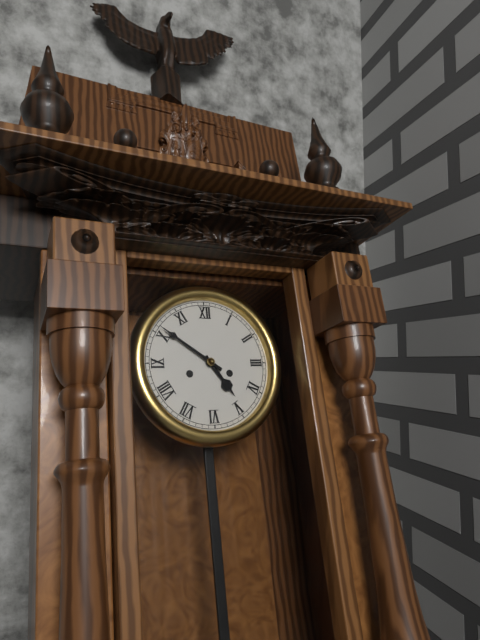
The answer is 4h51
